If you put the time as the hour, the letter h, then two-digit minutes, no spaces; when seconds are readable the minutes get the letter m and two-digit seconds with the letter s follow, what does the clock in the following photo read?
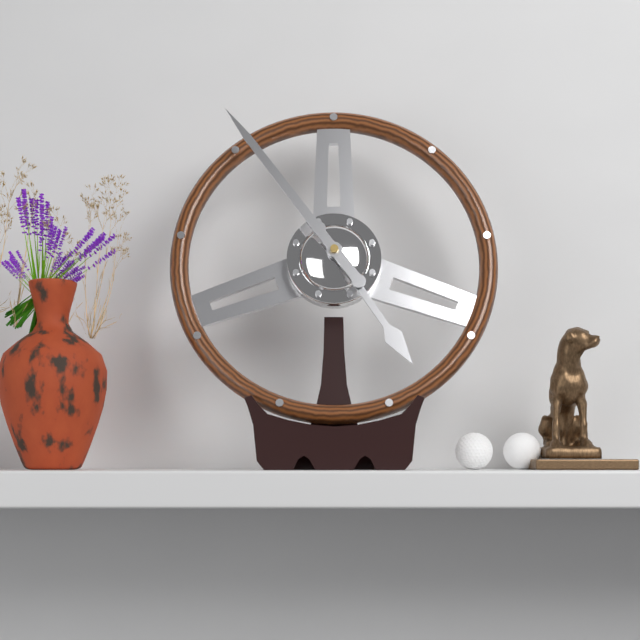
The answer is 4h54
